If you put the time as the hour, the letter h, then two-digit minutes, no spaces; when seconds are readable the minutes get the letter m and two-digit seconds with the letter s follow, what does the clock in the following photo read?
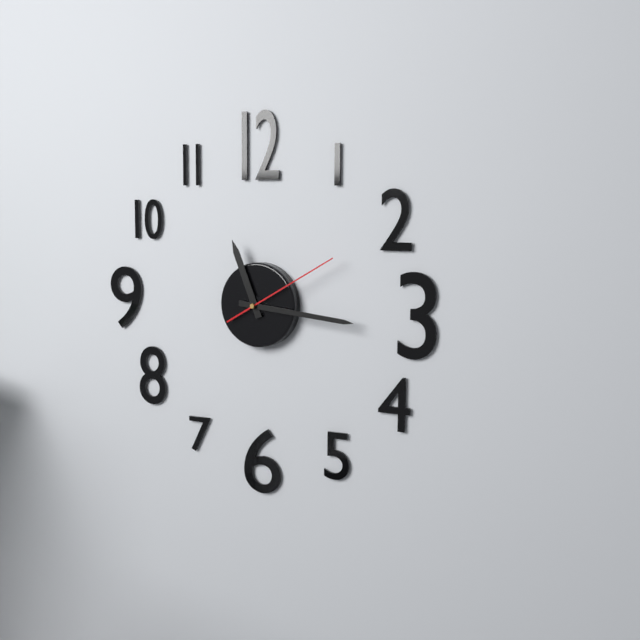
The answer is 11h16m10s
